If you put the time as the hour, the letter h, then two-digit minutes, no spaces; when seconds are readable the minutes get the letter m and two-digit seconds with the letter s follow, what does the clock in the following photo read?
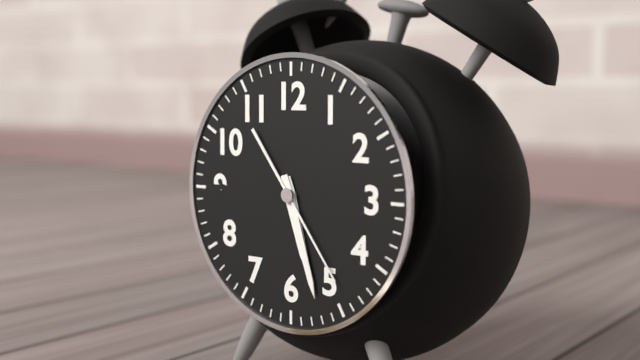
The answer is 5h27m24s
